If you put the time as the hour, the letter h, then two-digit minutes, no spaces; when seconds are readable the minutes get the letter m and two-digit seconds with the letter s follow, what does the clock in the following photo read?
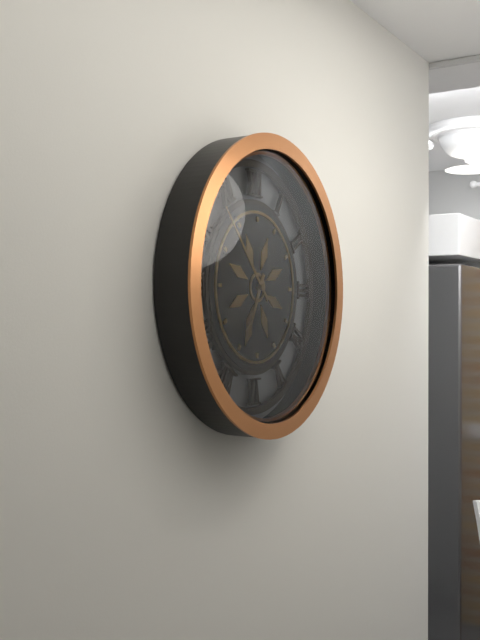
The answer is 6h53
